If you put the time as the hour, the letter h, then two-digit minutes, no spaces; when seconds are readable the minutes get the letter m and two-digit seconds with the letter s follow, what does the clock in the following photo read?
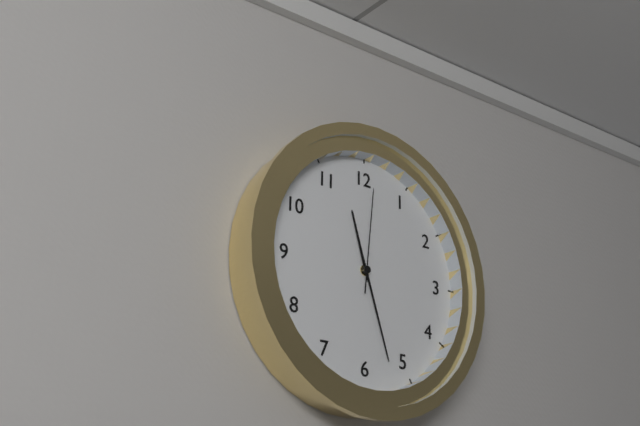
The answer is 11h27m01s
